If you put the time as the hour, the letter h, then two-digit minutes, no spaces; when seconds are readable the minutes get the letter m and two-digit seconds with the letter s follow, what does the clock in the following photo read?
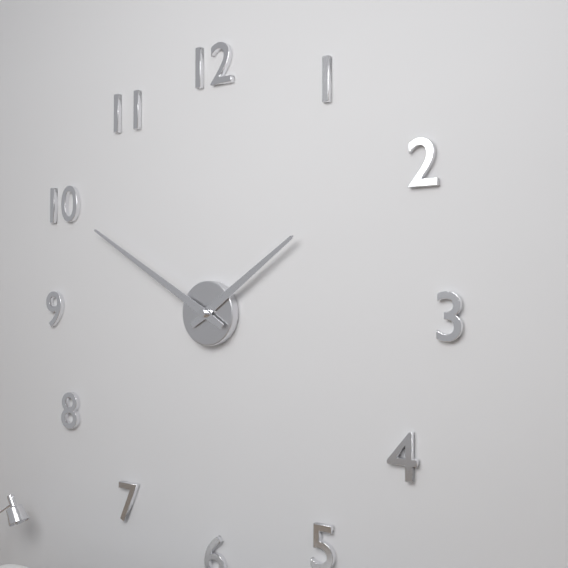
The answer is 1h50
